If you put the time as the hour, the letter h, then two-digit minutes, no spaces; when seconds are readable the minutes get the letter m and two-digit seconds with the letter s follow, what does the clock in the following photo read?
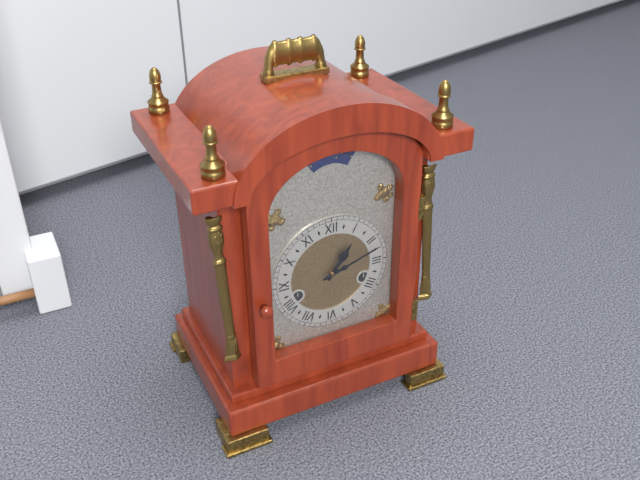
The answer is 1h12
